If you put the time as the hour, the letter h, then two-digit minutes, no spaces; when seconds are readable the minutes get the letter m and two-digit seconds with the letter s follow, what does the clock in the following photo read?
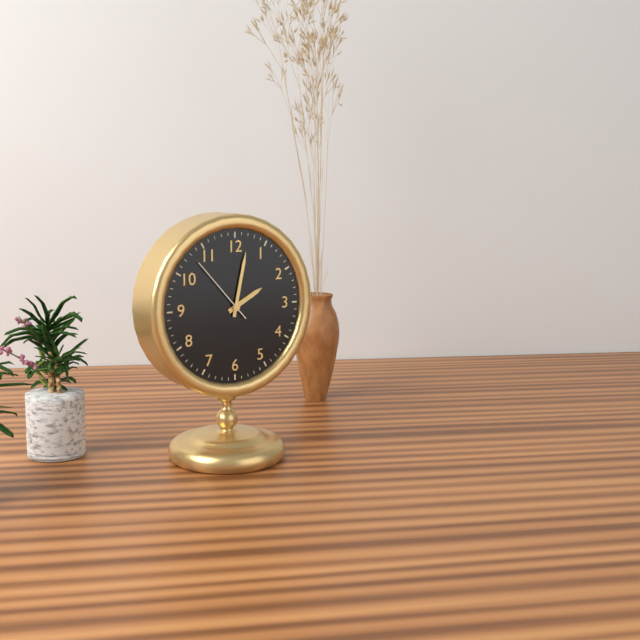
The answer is 2h02m53s
